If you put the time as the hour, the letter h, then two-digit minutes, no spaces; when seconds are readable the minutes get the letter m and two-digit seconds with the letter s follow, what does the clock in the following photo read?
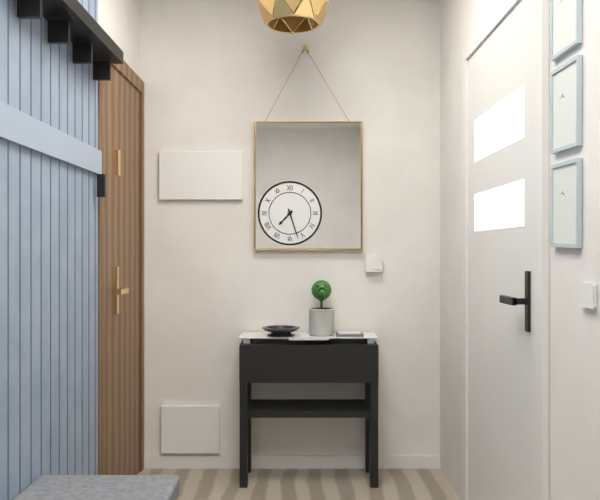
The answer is 7h27
